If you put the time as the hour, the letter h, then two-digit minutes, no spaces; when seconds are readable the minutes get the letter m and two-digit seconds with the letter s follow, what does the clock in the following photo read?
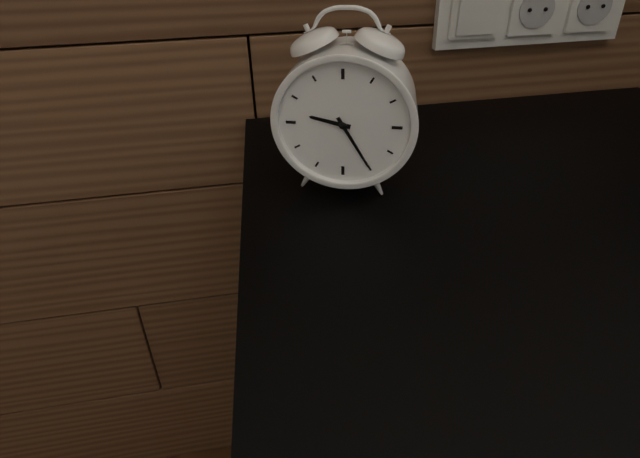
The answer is 9h25
